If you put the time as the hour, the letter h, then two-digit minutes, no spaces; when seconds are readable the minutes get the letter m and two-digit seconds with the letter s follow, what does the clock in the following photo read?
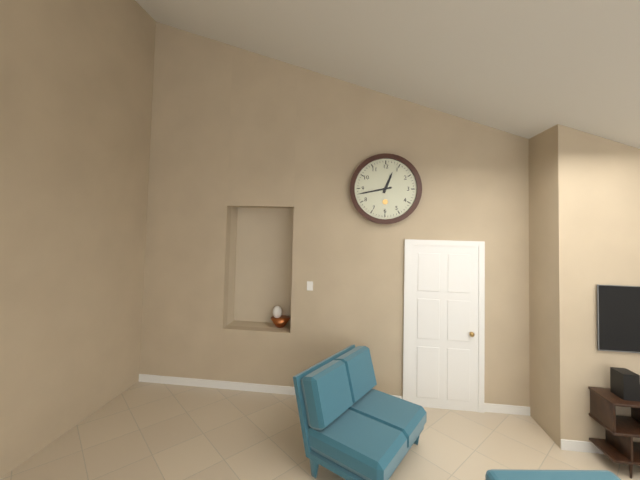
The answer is 12h43
